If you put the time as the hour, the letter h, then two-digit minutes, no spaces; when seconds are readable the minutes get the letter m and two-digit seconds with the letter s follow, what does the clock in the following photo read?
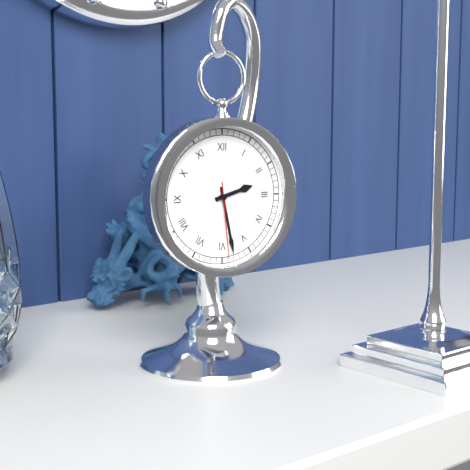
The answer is 2h28m29s
